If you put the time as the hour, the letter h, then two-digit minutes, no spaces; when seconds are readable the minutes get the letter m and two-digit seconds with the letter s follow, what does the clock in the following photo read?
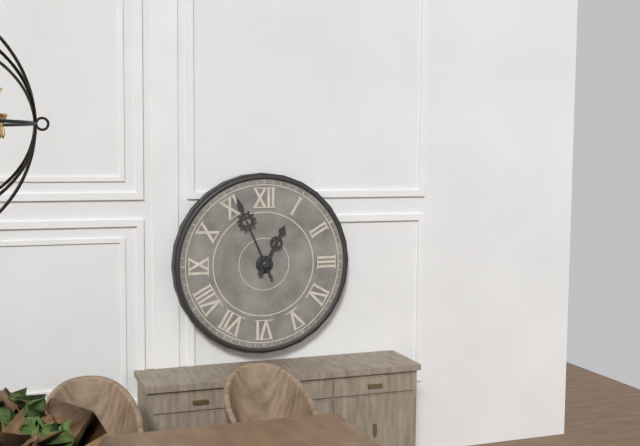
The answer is 12h56
